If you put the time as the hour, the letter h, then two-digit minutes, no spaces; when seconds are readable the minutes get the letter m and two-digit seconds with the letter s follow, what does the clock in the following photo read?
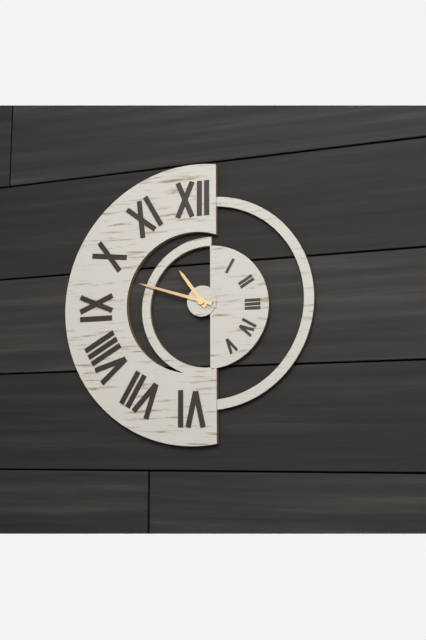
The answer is 10h48
